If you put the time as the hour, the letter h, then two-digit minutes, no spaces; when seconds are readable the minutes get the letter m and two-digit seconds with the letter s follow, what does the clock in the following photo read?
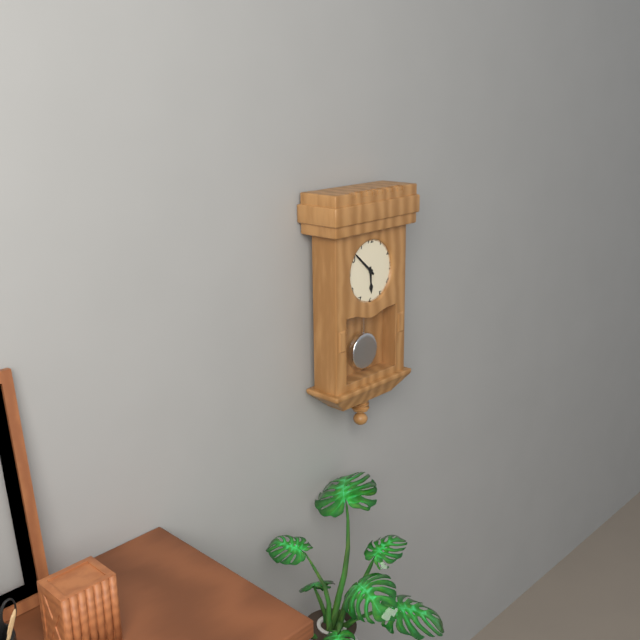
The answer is 5h52
